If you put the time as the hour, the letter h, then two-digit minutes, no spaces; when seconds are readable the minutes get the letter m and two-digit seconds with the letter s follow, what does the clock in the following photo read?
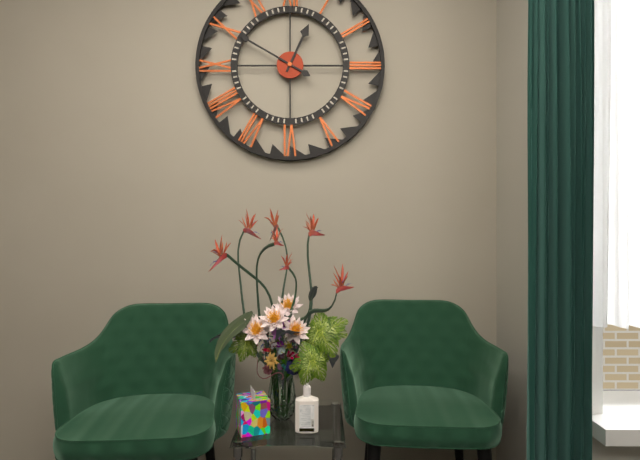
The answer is 12h50
